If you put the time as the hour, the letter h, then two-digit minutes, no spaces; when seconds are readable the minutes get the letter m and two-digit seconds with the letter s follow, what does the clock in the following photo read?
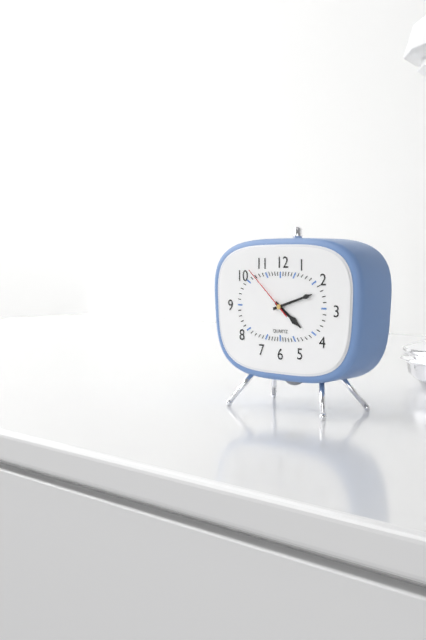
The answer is 4h12m52s
